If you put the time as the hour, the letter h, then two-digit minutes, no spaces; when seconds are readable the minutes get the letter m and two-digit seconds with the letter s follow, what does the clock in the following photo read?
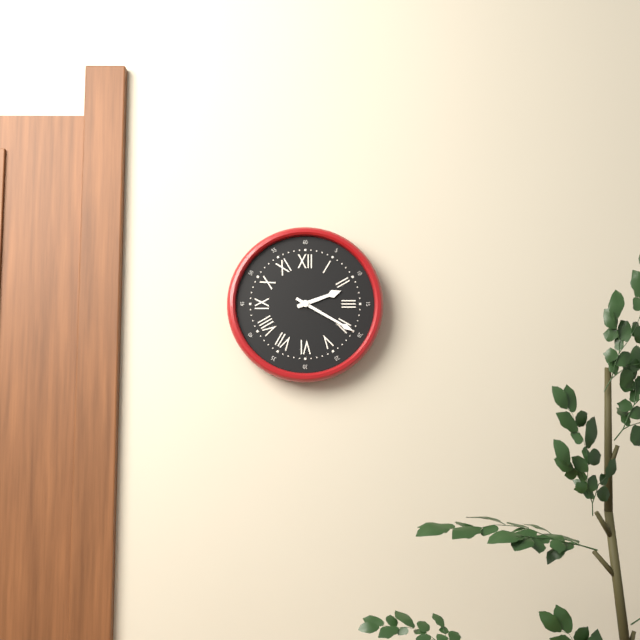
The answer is 2h20
